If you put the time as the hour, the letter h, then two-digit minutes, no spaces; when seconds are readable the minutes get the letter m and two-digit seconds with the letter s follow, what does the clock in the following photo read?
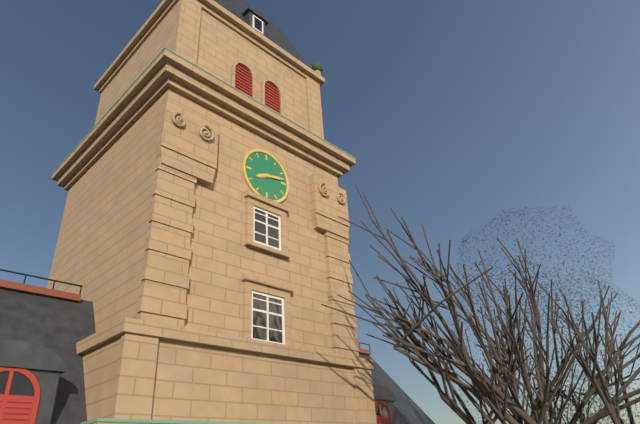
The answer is 8h13
